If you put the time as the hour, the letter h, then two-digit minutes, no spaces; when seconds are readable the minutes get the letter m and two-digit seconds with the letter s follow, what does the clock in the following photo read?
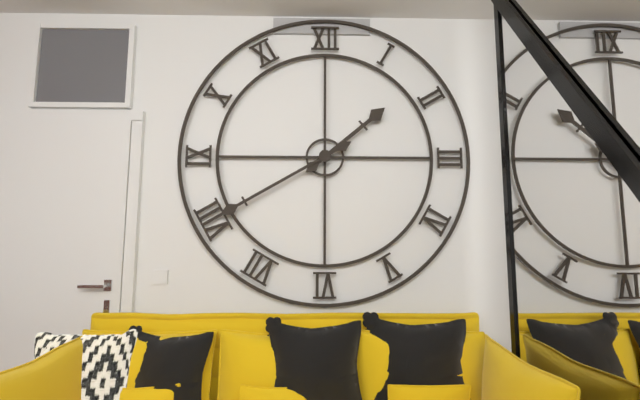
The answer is 1h40
